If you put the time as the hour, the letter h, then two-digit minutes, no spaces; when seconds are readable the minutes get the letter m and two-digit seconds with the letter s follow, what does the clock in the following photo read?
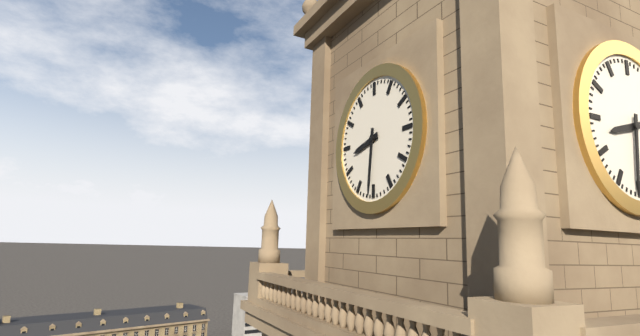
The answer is 8h31
